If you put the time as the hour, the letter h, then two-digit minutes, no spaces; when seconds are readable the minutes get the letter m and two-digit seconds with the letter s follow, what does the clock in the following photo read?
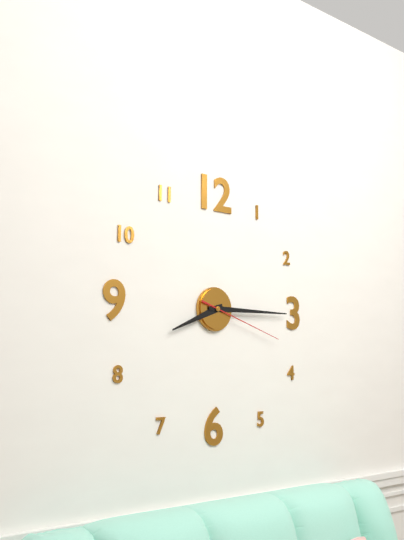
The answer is 8h15m18s
